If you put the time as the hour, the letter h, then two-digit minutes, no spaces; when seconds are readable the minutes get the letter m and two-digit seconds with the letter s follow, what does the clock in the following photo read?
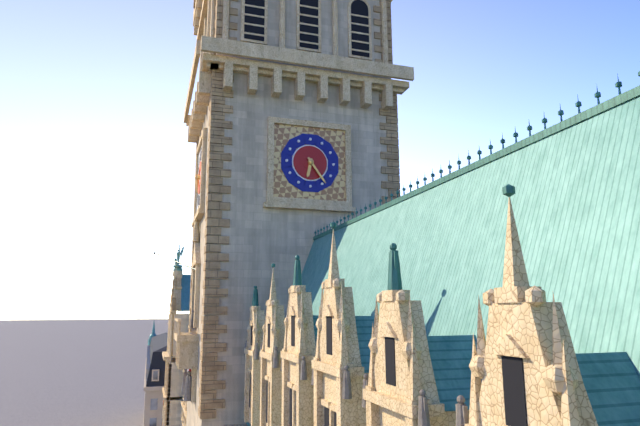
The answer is 6h24
